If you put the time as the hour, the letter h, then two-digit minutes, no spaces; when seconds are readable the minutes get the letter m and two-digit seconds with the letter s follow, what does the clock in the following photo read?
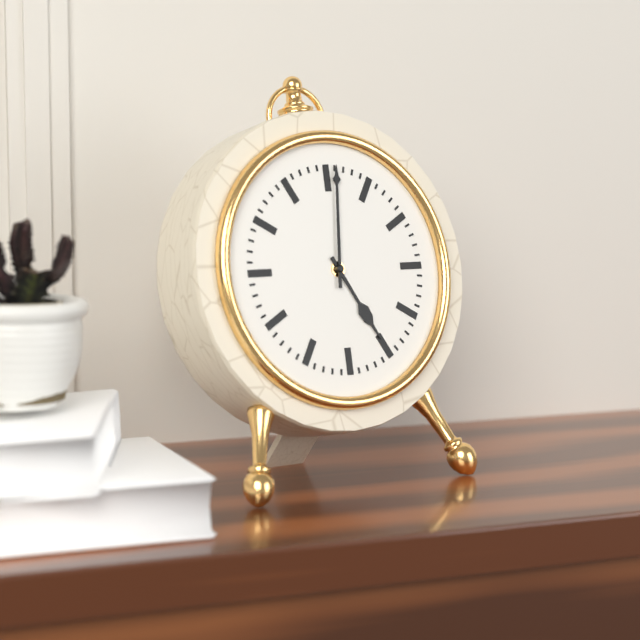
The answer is 5h01
